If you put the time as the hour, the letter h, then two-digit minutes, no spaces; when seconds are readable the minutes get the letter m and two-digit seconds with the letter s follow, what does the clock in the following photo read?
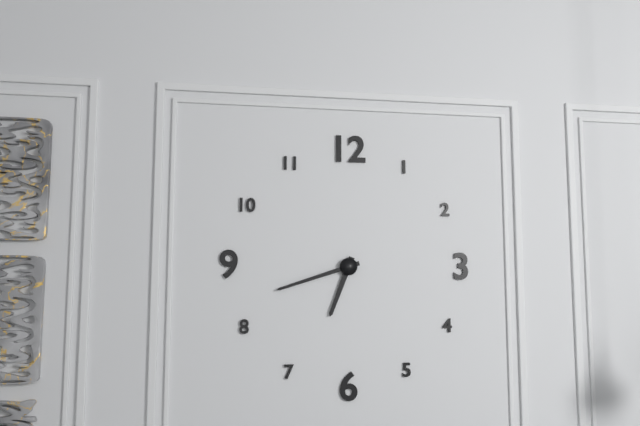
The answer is 6h42
